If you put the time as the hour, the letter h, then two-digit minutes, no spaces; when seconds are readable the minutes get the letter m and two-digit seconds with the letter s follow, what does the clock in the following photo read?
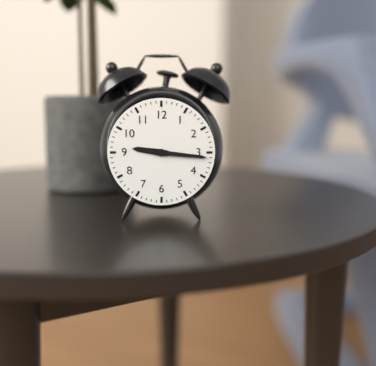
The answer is 9h16
